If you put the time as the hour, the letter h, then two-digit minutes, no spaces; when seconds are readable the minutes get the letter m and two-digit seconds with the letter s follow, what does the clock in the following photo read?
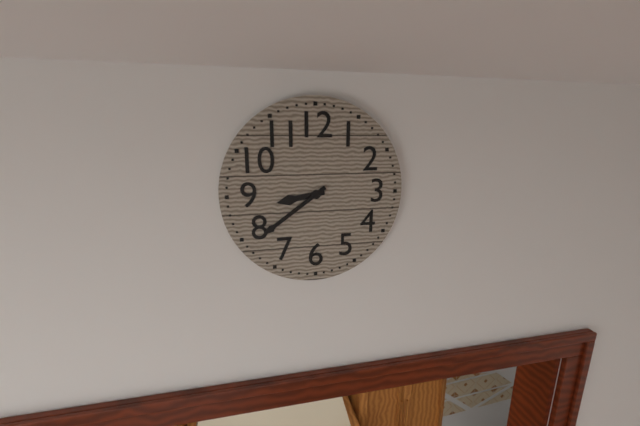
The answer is 8h39
